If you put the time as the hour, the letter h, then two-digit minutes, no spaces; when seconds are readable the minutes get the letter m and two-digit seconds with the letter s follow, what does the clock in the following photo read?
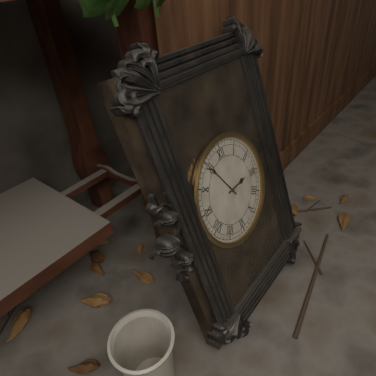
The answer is 2h55
